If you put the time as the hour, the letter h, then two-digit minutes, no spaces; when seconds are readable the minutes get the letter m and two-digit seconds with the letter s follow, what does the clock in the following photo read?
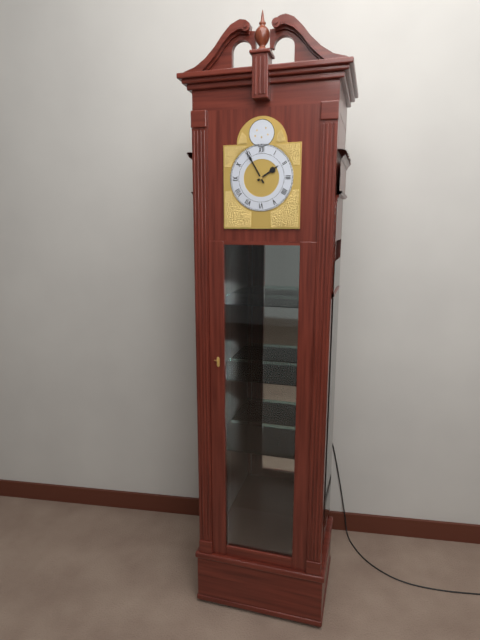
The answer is 1h55
